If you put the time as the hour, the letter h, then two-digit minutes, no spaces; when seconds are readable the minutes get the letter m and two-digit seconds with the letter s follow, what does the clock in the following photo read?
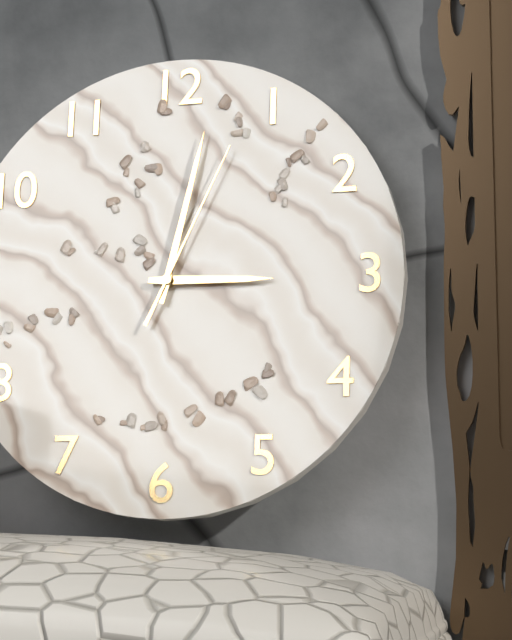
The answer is 3h02m04s
